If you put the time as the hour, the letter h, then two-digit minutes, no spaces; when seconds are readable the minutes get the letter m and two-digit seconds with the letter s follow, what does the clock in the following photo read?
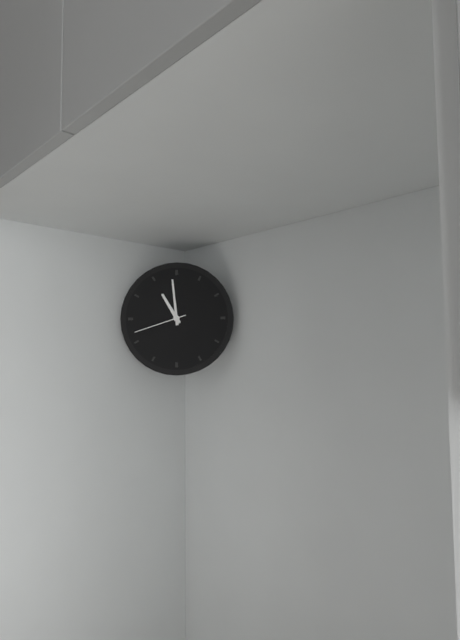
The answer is 10h59m42s
